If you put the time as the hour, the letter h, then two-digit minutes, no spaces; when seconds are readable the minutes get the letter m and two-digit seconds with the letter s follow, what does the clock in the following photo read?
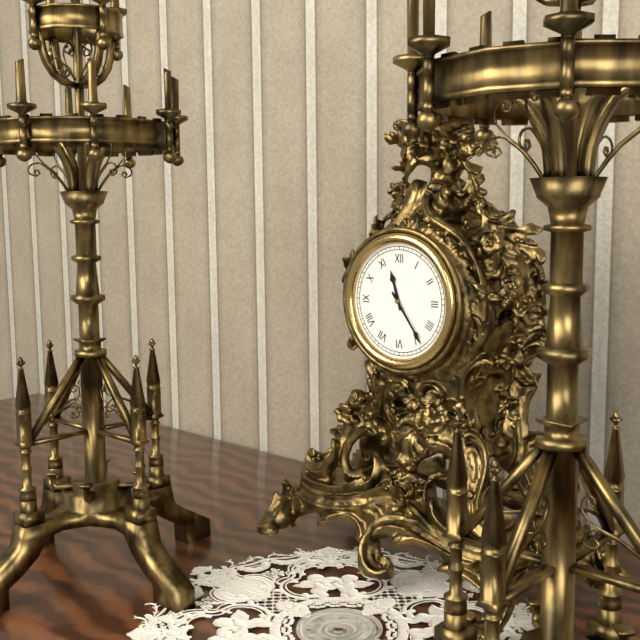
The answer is 11h24
